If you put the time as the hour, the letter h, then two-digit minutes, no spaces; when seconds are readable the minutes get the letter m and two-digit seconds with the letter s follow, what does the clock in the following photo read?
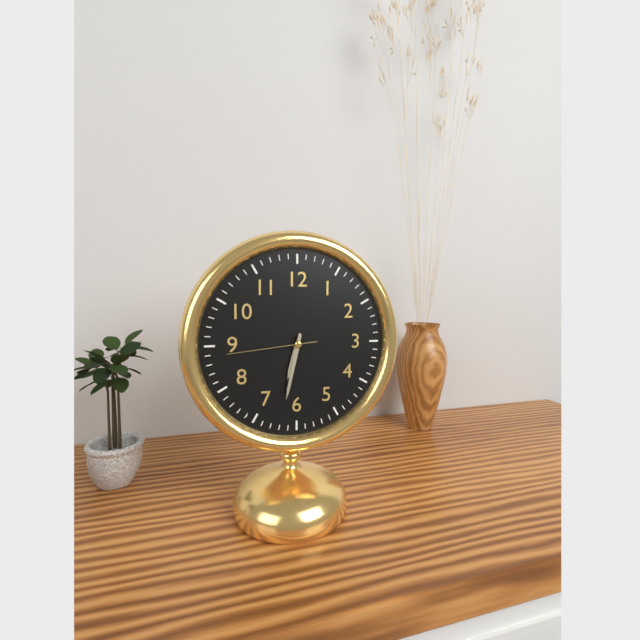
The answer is 6h32m44s
